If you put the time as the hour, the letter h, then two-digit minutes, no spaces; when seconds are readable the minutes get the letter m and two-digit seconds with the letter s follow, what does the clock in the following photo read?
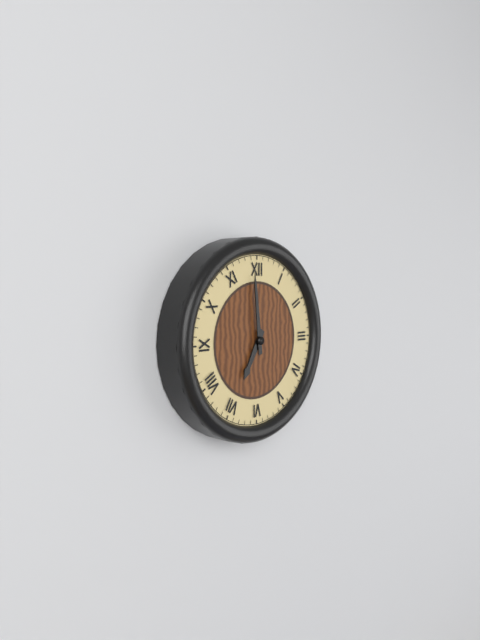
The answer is 6h59
